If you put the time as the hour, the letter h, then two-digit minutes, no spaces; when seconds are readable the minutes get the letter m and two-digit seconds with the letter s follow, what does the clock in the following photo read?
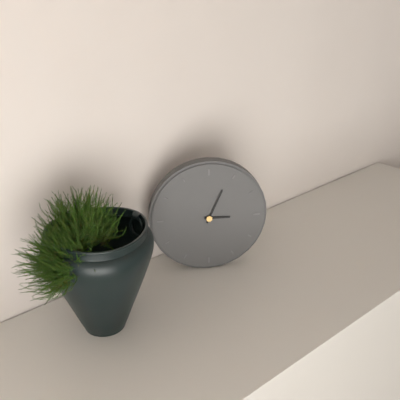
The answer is 3h04
